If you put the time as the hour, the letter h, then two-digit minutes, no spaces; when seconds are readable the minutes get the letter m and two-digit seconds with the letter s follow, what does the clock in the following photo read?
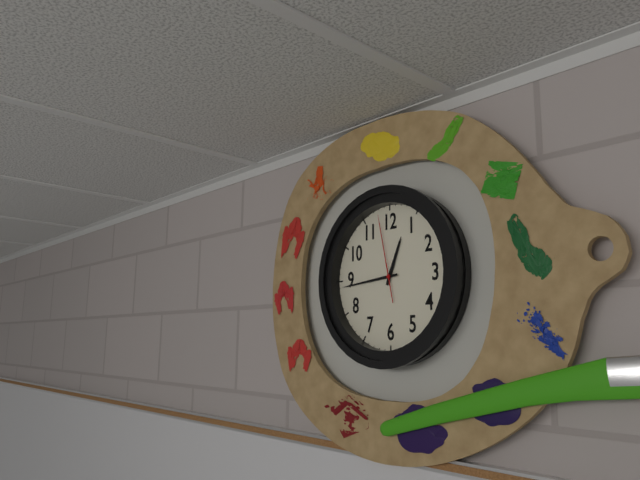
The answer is 12h44m58s
